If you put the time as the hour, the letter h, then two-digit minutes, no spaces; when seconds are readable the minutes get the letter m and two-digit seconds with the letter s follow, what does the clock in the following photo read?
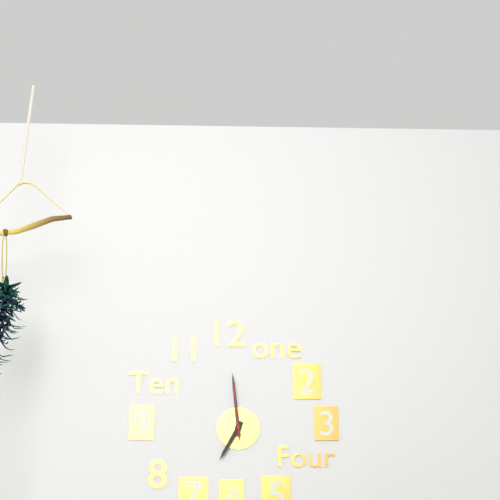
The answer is 6h59m59s
